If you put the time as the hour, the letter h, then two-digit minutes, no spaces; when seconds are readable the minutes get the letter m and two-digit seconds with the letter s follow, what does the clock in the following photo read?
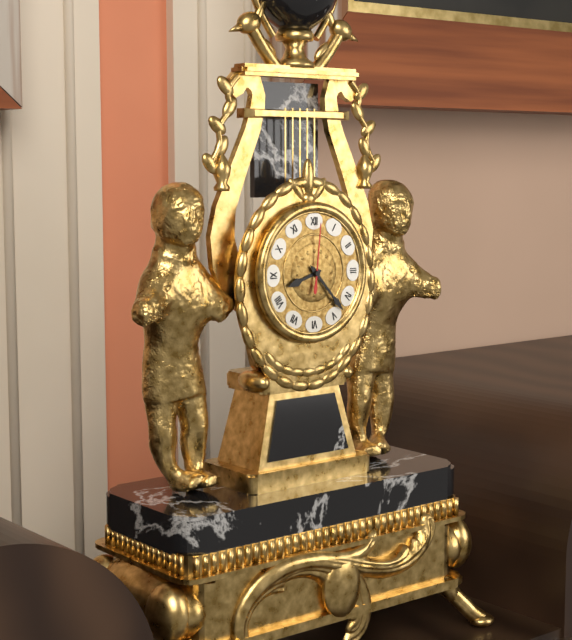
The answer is 8h23m01s
